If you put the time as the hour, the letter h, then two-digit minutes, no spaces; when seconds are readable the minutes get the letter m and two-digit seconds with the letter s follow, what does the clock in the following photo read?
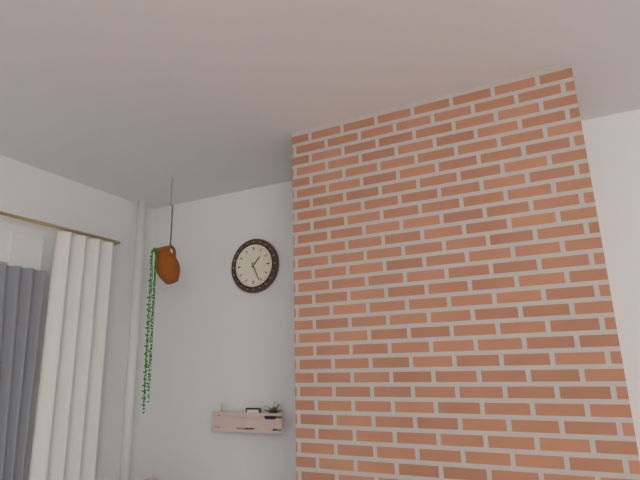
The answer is 1h26
